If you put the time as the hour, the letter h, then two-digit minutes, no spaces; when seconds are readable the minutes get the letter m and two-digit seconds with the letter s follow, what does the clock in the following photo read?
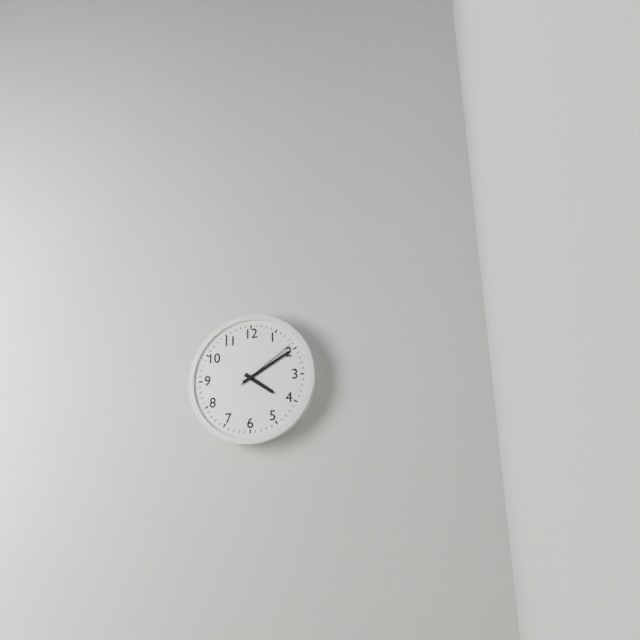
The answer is 4h10m09s
